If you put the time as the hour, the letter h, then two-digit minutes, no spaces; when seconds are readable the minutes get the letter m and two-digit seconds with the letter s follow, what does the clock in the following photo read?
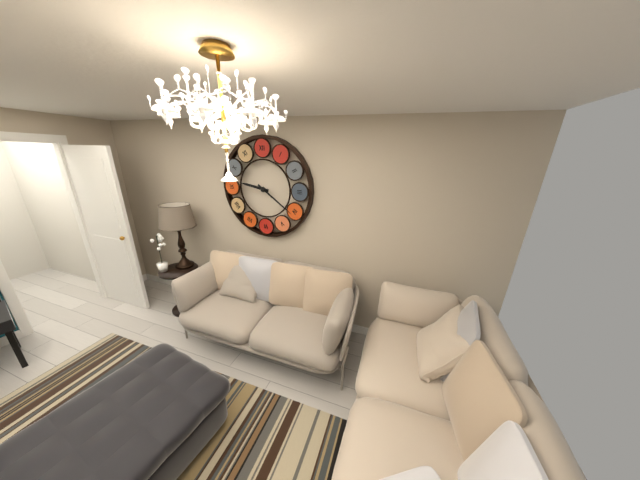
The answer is 9h21
